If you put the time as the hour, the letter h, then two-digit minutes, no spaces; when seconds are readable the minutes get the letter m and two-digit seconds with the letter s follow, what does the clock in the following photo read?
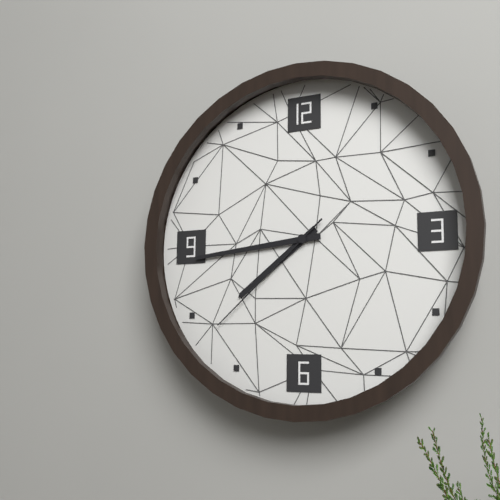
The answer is 7h44m38s
